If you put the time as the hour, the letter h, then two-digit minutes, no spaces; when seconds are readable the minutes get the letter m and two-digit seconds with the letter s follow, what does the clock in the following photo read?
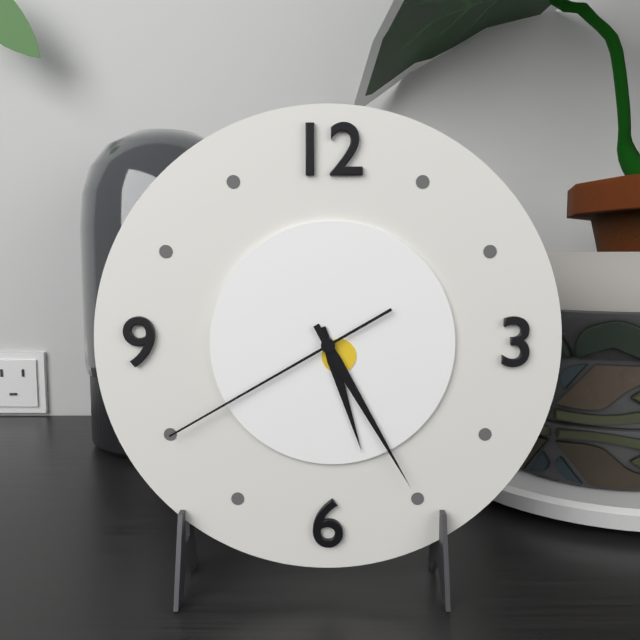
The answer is 5h25m40s
